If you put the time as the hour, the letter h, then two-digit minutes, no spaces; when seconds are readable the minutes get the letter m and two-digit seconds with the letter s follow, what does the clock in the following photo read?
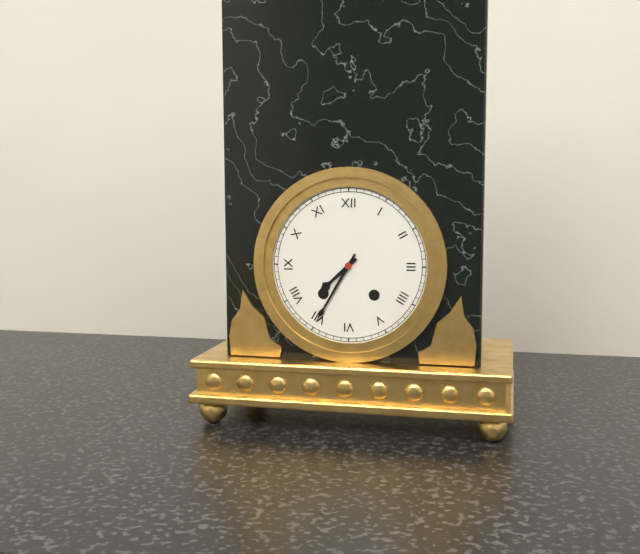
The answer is 7h35
